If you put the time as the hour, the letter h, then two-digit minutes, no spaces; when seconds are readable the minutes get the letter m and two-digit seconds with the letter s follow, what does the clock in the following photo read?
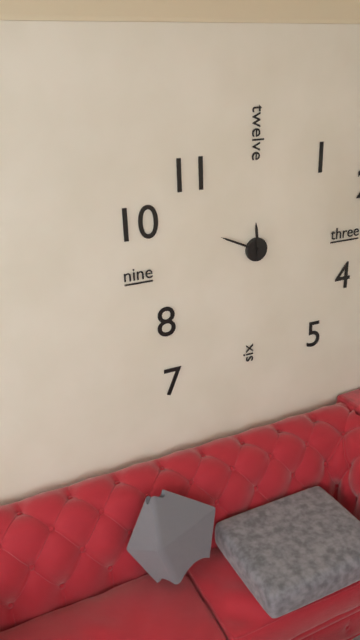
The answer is 11h49
